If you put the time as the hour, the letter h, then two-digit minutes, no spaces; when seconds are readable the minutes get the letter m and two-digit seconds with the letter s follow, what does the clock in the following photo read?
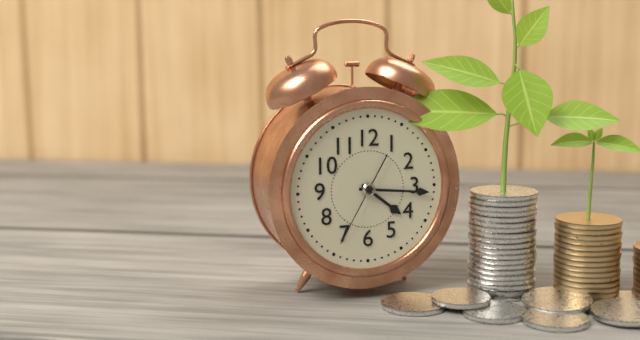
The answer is 4h16m35s
